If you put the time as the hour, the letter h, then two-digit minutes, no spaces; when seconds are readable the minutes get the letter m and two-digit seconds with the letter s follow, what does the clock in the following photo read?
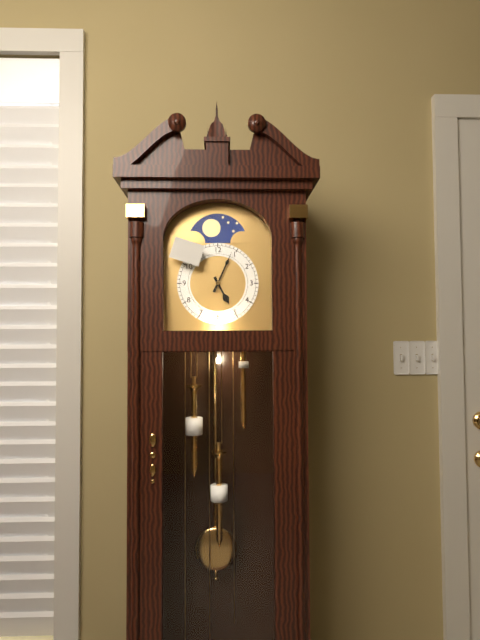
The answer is 5h04
